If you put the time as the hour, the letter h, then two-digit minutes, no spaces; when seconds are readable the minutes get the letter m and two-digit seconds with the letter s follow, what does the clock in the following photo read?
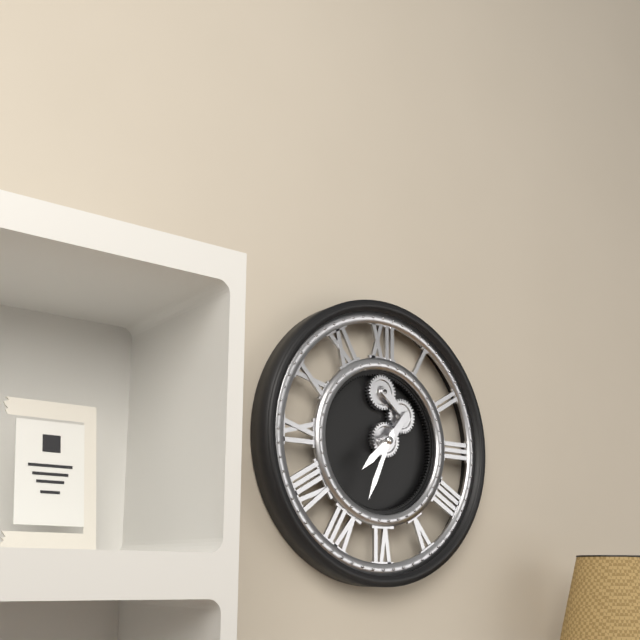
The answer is 7h34
